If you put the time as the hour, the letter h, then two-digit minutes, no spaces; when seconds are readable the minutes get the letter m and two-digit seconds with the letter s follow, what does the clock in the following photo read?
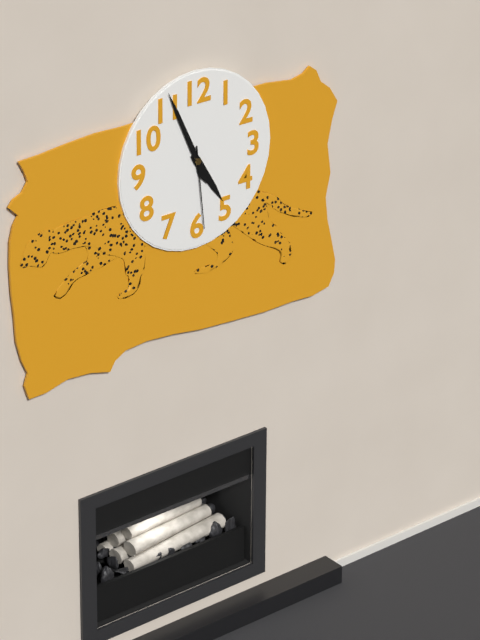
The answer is 4h56m29s
